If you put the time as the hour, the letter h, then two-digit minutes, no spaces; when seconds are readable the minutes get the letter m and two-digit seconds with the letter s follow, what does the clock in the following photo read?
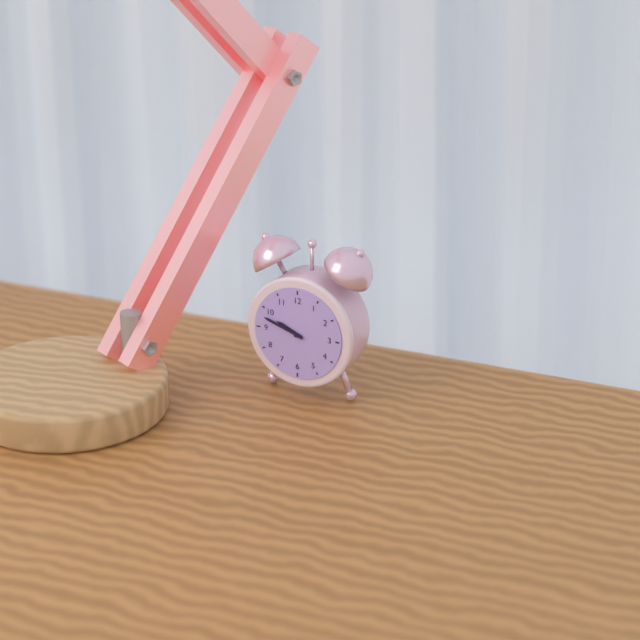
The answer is 9h48
